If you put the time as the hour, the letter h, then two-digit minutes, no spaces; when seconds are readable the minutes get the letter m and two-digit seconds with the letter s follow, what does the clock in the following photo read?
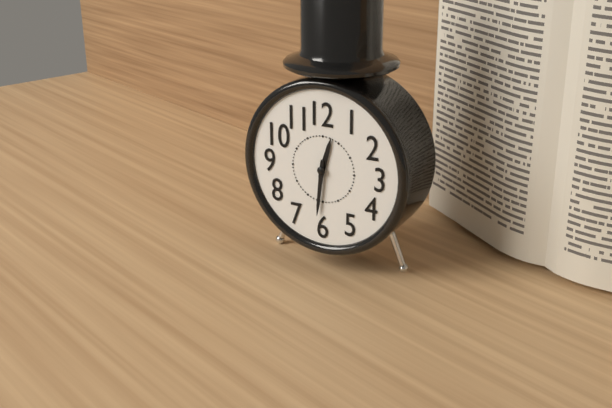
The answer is 12h31
